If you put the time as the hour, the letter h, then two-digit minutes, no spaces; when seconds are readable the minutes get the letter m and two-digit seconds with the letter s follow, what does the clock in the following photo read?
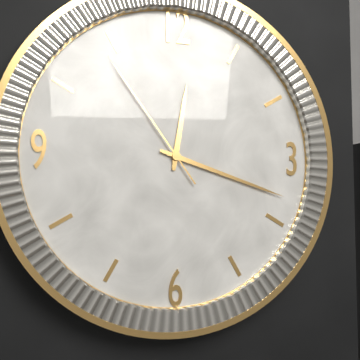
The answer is 12h18m54s
